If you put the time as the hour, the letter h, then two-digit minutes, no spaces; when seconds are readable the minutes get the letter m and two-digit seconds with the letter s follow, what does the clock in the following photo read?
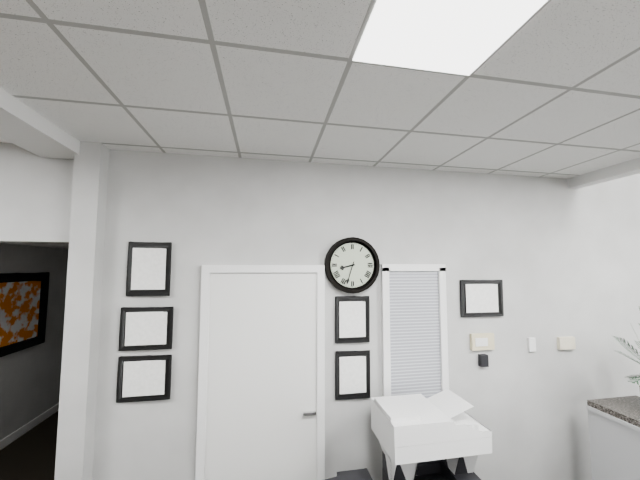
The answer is 8h33
